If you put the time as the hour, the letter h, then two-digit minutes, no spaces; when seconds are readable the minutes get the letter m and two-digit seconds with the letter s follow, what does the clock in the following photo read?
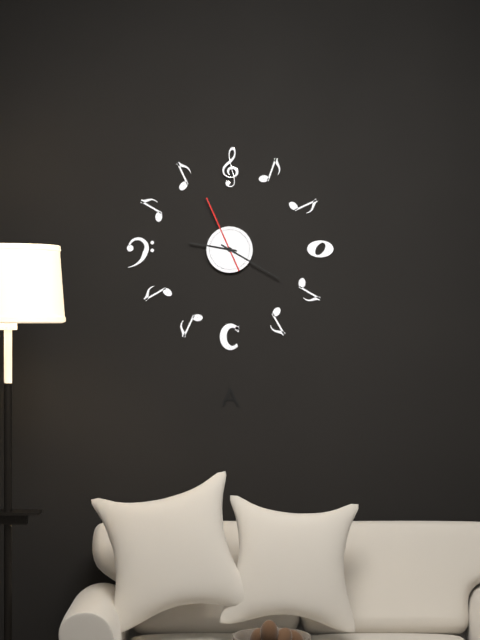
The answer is 9h20m56s
